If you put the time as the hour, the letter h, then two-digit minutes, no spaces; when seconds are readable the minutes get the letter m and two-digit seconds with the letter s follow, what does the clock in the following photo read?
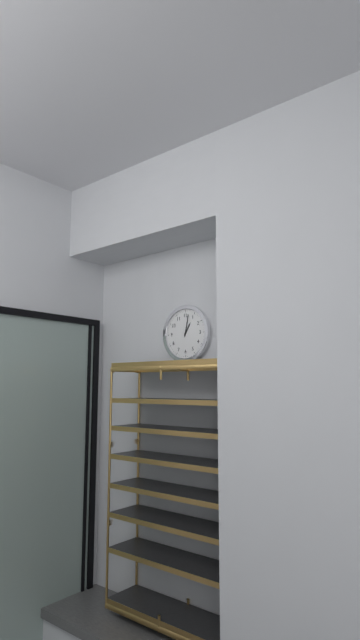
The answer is 1h02
